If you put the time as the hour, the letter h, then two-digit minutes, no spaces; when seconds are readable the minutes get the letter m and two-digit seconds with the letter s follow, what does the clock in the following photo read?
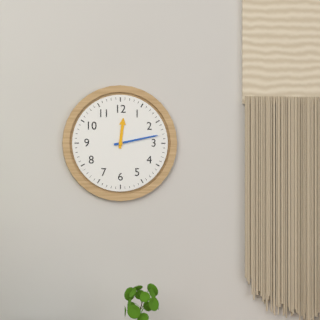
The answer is 12h13
